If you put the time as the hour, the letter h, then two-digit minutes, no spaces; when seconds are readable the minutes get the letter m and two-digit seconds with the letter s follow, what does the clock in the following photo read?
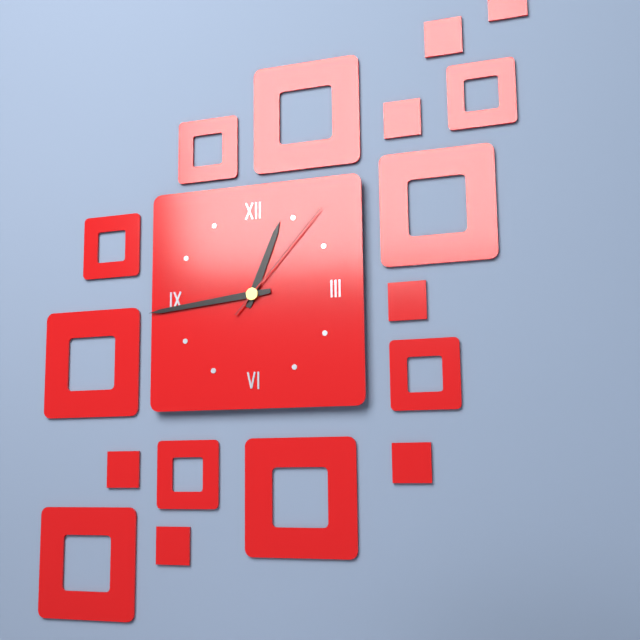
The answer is 12h44m07s
